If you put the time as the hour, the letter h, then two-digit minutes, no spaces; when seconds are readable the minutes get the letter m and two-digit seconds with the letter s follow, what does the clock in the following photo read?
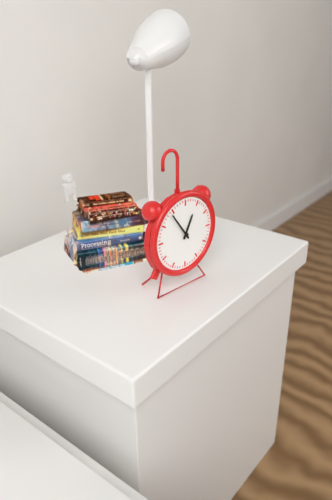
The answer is 12h54
